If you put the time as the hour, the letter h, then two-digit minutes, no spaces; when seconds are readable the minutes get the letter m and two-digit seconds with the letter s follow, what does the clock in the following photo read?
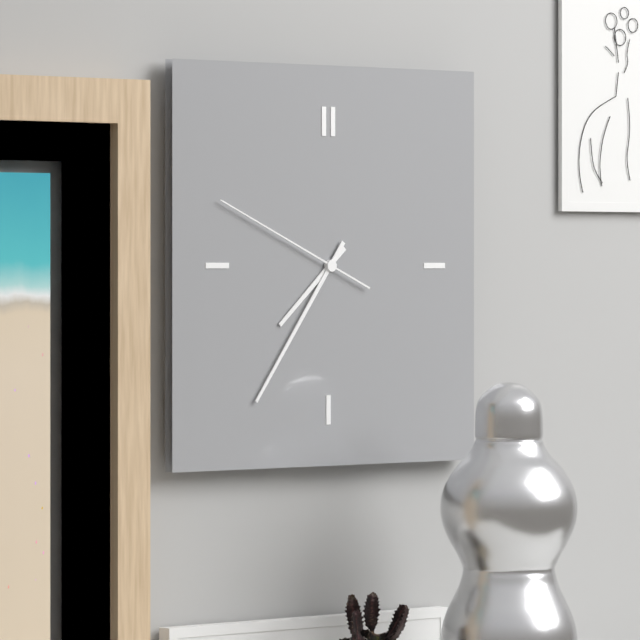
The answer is 7h36m49s
